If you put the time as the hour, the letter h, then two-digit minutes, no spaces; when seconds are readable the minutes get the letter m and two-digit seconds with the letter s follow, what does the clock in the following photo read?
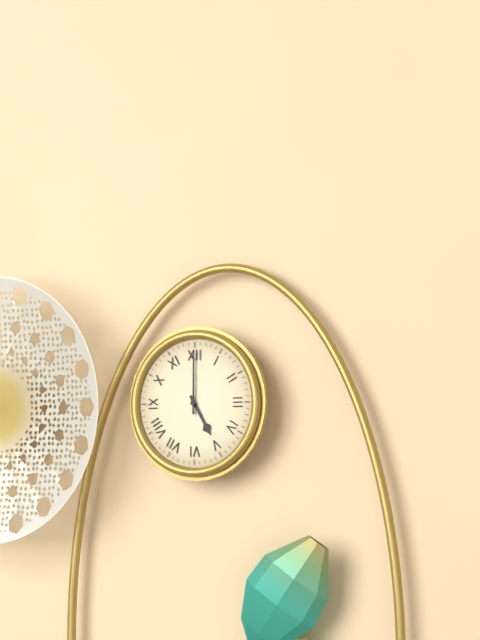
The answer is 5h00
